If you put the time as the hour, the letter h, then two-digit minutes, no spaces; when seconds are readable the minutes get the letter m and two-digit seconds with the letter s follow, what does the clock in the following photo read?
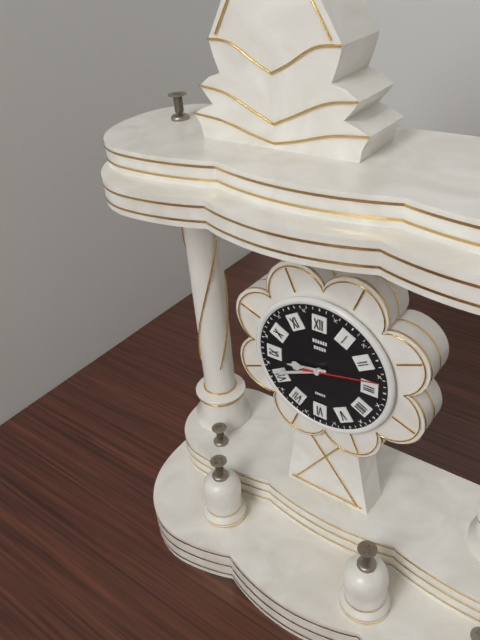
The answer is 8h41m13s
